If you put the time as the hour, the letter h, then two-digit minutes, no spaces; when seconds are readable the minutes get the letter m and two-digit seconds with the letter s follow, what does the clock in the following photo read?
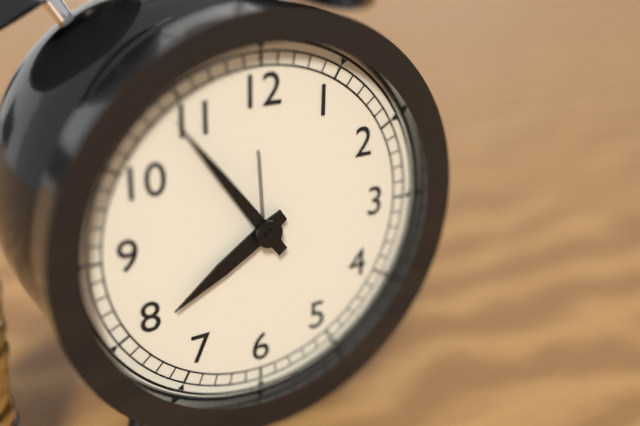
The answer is 7h54
